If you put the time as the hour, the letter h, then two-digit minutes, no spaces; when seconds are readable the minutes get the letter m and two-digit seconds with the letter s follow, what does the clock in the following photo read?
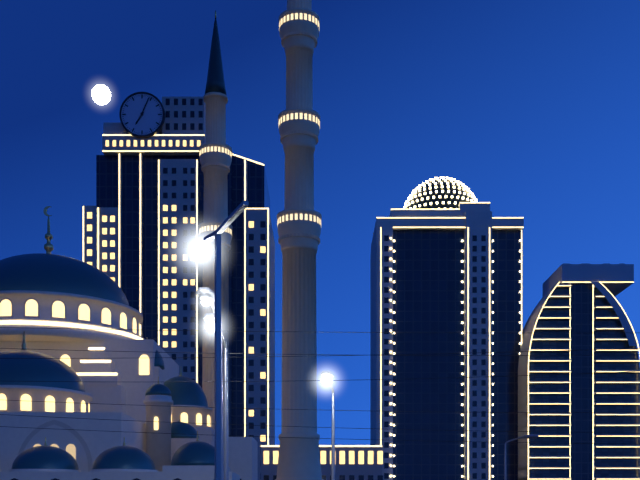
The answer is 7h04
